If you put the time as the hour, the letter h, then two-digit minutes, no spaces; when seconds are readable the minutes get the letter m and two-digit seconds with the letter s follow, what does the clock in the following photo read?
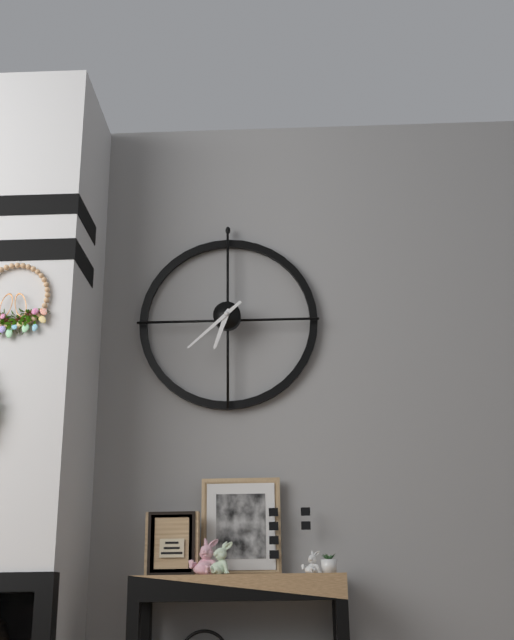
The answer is 6h38
